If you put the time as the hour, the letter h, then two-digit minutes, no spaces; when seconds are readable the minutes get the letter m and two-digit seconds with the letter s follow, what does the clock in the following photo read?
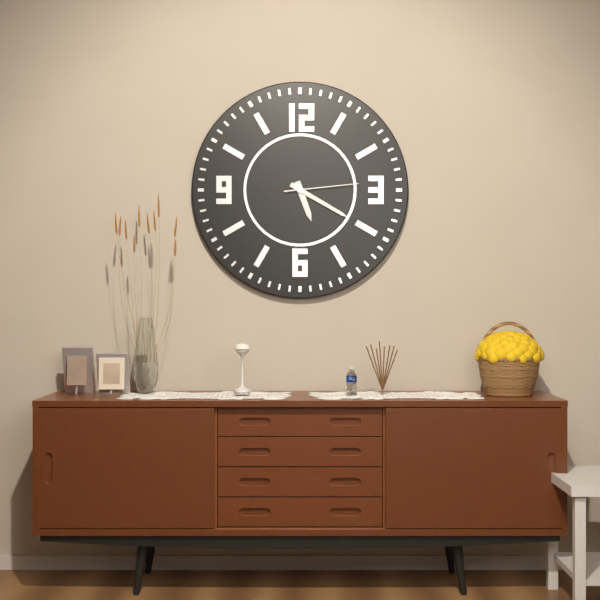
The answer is 5h20m14s
